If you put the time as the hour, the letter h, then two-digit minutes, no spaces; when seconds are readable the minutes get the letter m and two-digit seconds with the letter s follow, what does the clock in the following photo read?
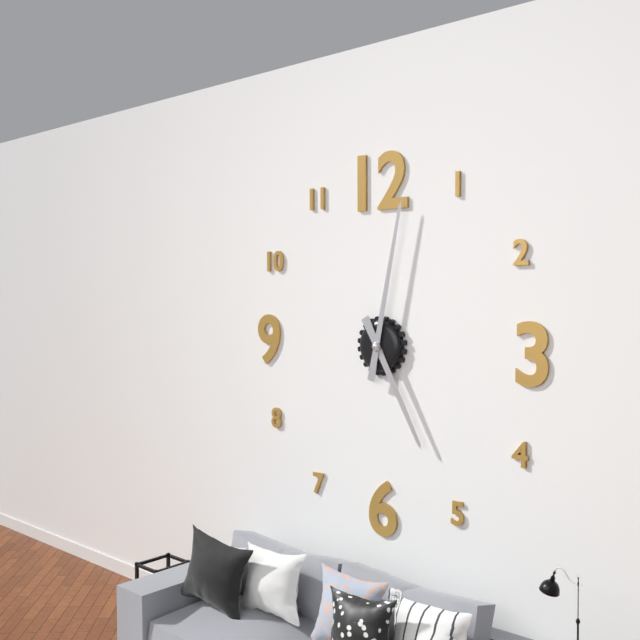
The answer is 5h02
